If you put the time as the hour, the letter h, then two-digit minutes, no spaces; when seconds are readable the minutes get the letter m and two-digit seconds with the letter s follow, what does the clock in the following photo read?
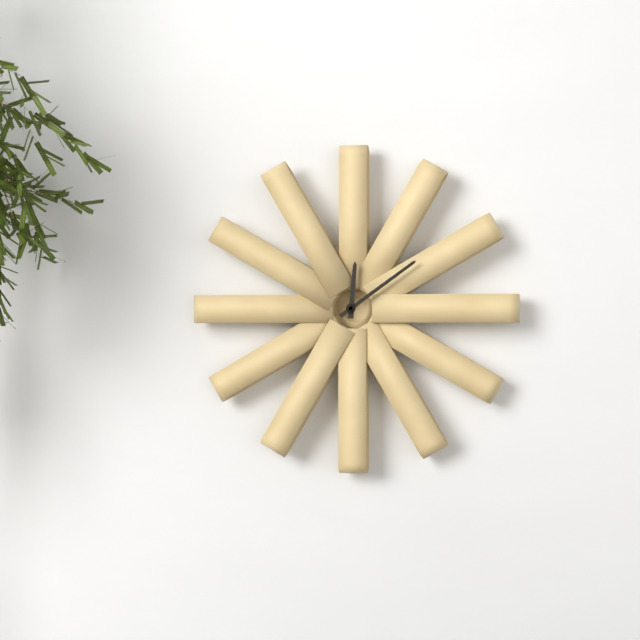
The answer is 12h09
